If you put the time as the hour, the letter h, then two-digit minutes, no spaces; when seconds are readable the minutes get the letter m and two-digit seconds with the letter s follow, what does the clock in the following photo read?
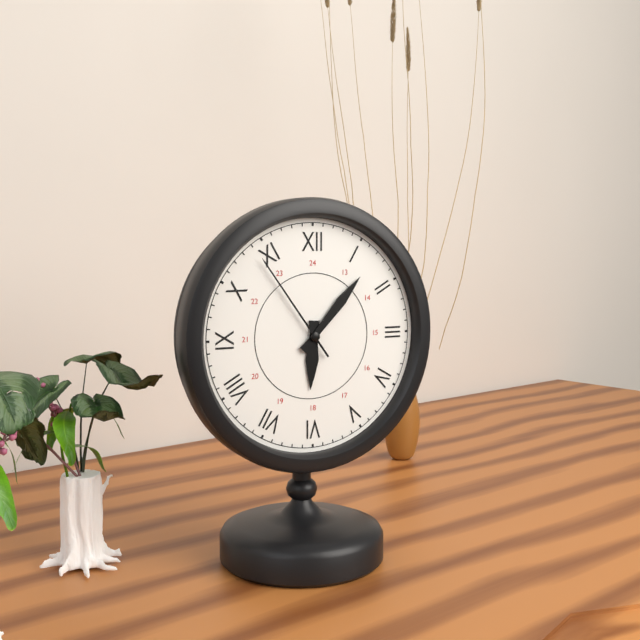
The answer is 6h07m54s
